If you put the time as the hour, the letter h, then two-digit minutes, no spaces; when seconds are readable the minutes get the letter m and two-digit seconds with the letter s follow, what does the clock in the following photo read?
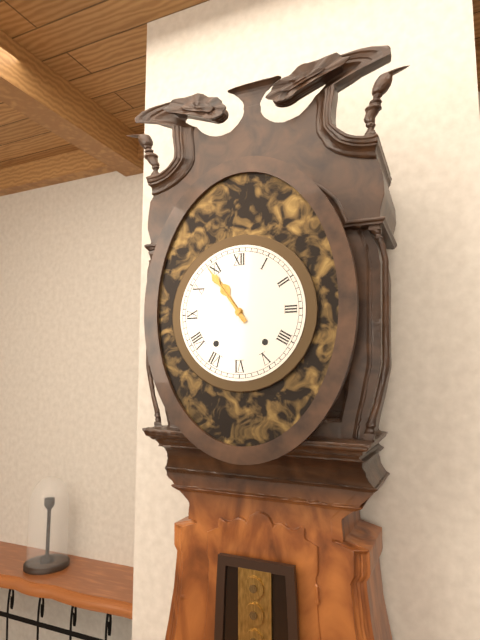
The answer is 10h54
